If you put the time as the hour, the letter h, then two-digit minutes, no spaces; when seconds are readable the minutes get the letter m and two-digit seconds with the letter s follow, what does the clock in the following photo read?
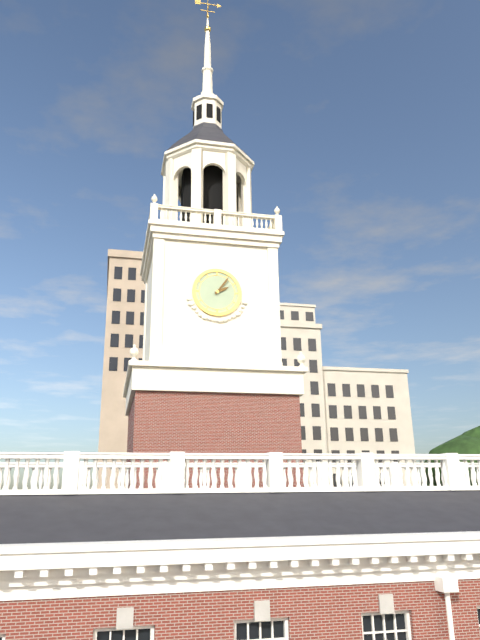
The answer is 2h06
